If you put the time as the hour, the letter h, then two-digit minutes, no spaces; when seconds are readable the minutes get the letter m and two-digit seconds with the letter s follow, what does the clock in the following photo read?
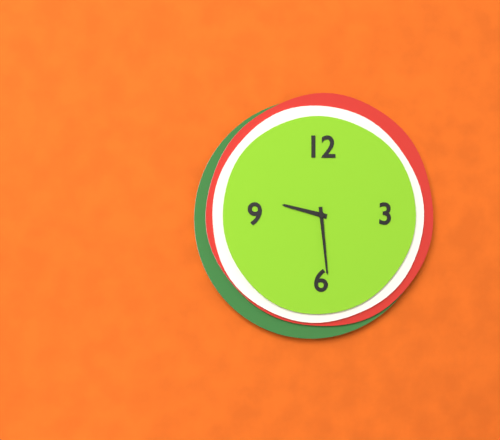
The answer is 9h29
